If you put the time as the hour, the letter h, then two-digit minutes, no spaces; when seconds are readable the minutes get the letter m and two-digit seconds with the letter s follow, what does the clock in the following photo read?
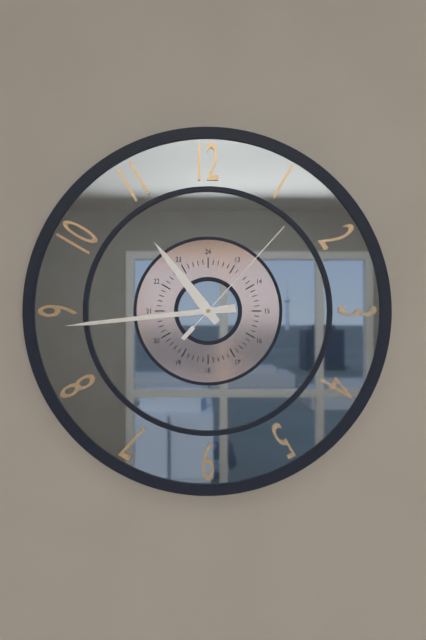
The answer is 10h44m07s
